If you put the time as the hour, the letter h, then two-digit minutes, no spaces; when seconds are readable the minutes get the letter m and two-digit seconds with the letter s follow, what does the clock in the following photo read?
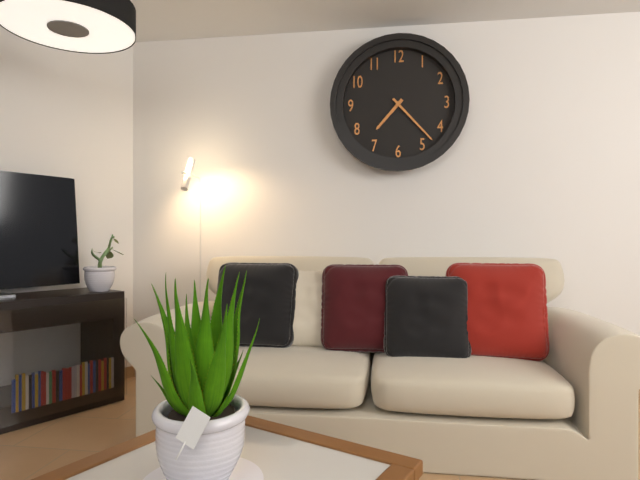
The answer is 7h23
